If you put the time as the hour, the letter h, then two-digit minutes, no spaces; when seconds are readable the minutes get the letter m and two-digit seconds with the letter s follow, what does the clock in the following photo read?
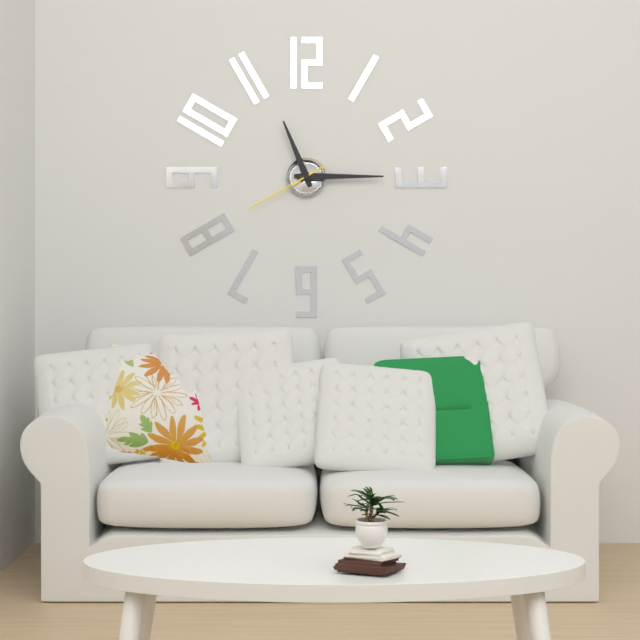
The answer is 11h15m40s
